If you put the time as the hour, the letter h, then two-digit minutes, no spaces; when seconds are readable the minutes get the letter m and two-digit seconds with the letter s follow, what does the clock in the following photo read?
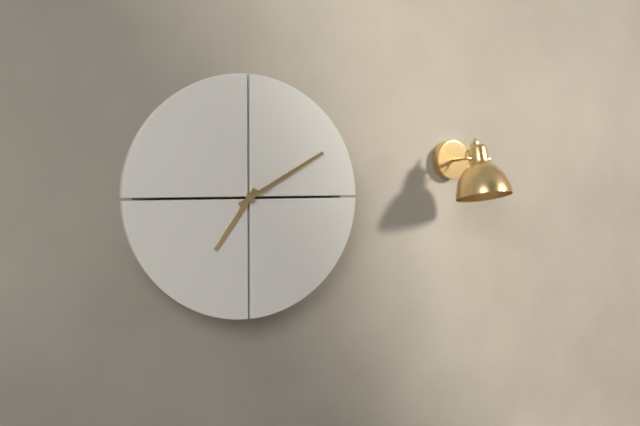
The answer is 7h10
